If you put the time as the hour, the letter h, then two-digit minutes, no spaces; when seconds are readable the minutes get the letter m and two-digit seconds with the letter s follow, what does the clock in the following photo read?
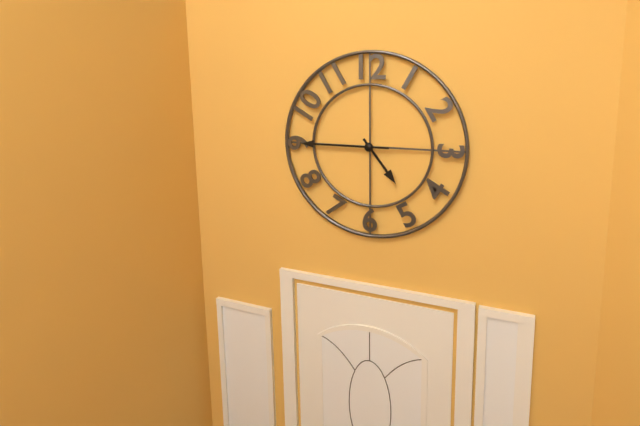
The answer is 4h45
